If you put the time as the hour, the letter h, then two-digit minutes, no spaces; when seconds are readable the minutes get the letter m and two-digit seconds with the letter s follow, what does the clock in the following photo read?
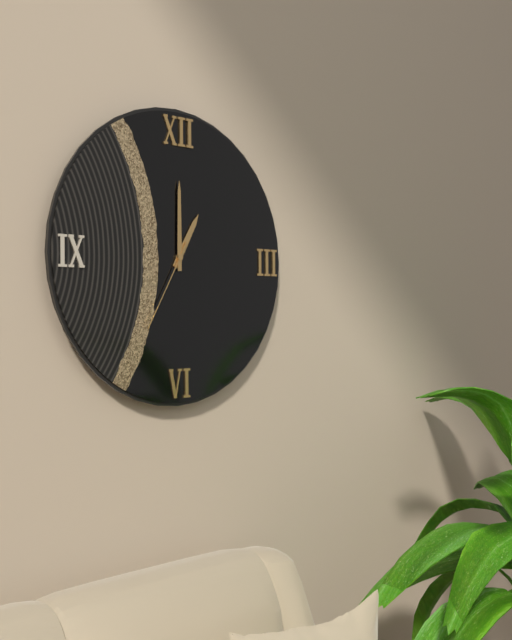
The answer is 1h00m35s
